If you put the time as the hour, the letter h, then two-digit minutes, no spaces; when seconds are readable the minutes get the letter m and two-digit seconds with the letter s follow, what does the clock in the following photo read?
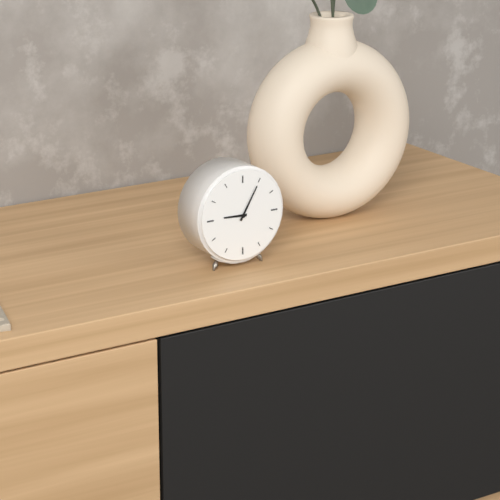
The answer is 9h05
